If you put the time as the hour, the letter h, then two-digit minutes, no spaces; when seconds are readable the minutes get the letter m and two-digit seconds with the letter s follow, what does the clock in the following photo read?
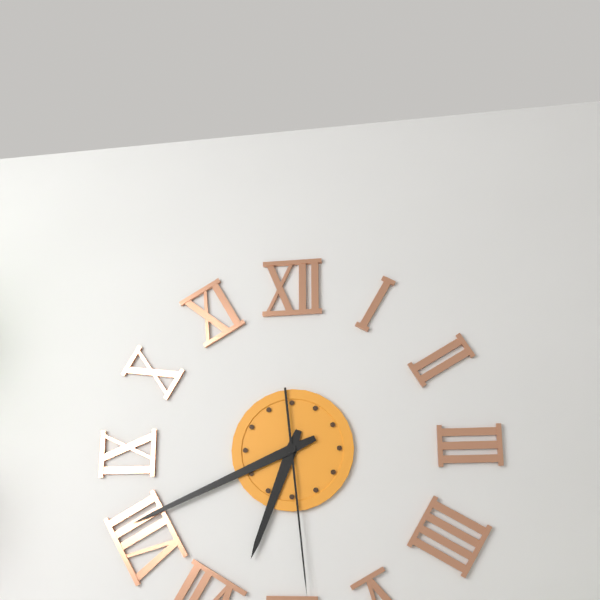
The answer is 6h41m29s
